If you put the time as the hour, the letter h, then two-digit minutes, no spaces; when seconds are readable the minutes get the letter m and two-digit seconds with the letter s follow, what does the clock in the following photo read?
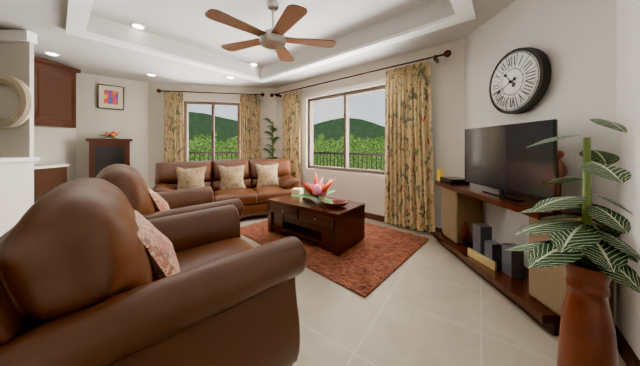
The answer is 10h41
